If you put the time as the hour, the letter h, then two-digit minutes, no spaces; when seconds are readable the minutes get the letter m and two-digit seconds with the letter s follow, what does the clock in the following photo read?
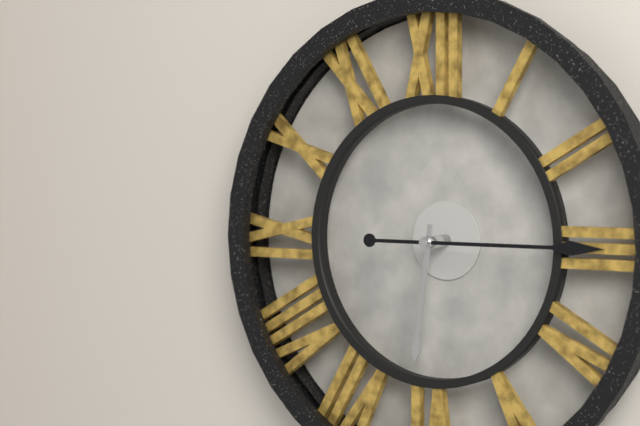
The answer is 6h15
